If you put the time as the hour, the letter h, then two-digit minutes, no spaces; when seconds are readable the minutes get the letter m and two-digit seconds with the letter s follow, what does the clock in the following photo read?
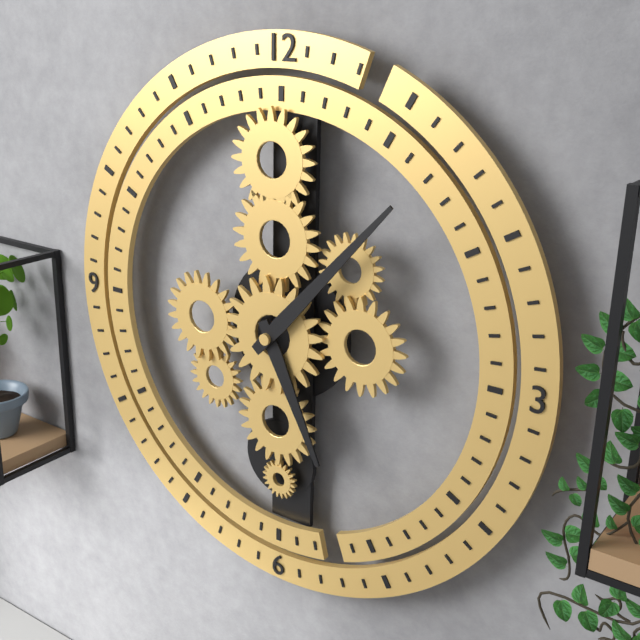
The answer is 5h07
